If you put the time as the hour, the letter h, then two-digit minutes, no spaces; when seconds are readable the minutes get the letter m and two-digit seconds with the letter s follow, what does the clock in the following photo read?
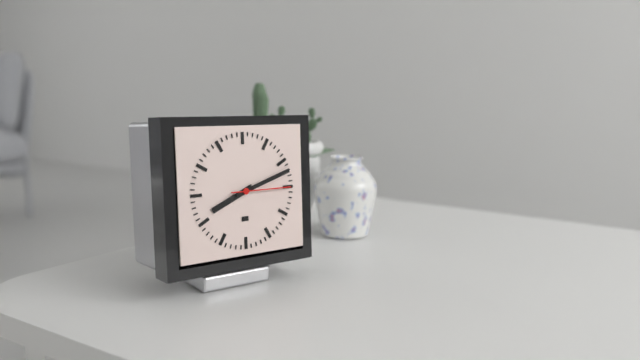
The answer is 8h12m15s
